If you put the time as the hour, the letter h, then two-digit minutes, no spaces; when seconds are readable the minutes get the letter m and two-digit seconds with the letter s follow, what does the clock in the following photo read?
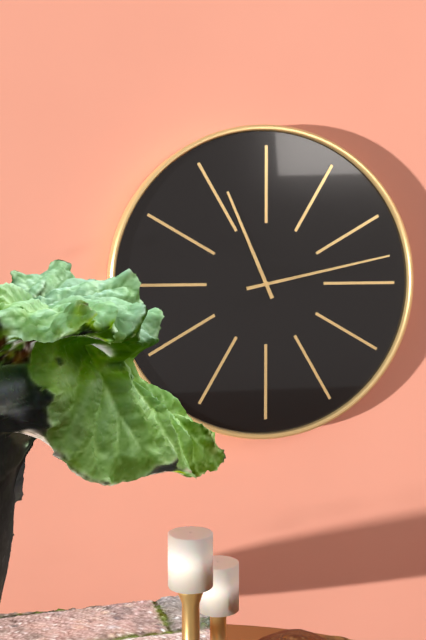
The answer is 11h13
